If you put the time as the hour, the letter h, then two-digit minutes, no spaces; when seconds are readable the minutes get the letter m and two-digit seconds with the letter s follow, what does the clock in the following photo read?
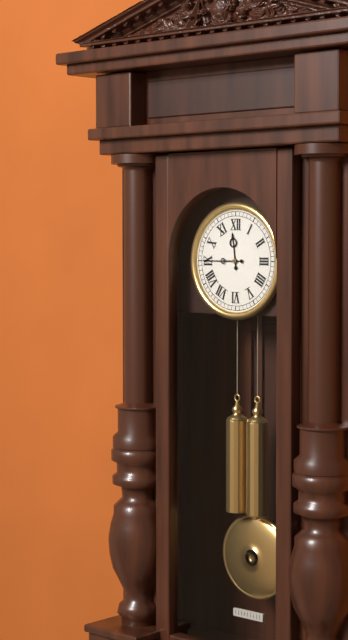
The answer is 11h45
